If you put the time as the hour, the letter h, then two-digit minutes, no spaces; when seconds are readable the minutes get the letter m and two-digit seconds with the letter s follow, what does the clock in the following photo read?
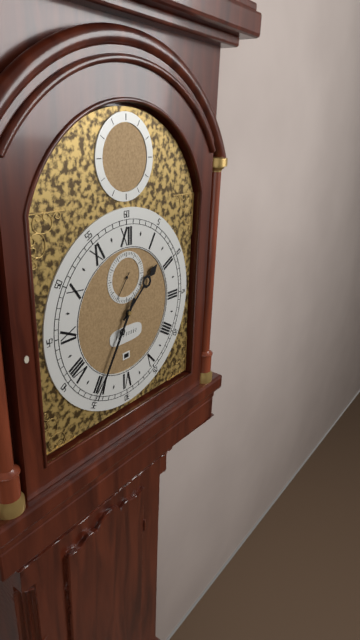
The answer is 1h35
